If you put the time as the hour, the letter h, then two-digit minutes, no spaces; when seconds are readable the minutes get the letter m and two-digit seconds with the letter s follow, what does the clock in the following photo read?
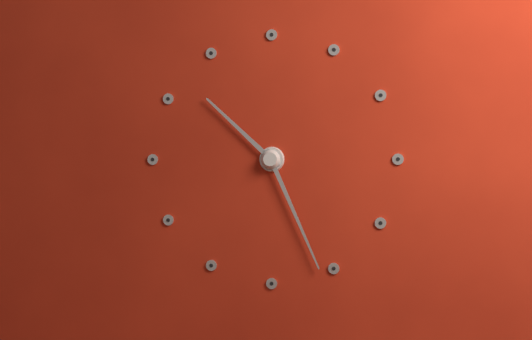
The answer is 10h26
